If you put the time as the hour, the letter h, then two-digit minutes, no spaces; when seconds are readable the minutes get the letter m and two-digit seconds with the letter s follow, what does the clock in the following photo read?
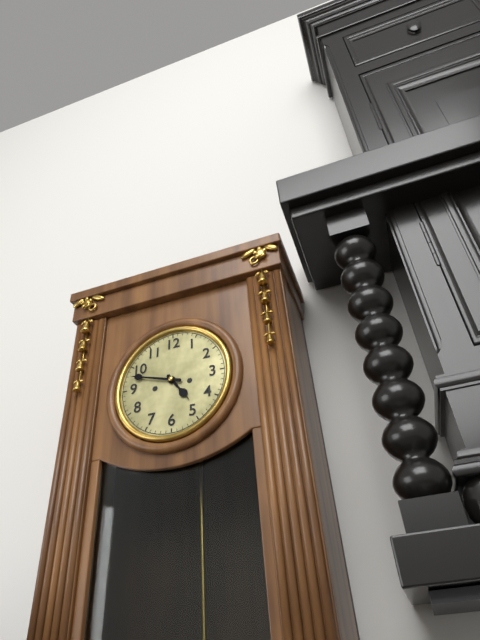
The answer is 4h48
